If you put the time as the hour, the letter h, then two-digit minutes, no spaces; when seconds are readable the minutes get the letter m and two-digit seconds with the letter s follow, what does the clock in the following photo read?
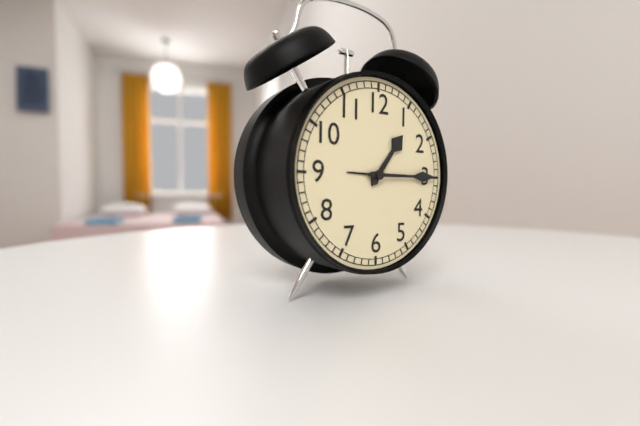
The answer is 1h15
